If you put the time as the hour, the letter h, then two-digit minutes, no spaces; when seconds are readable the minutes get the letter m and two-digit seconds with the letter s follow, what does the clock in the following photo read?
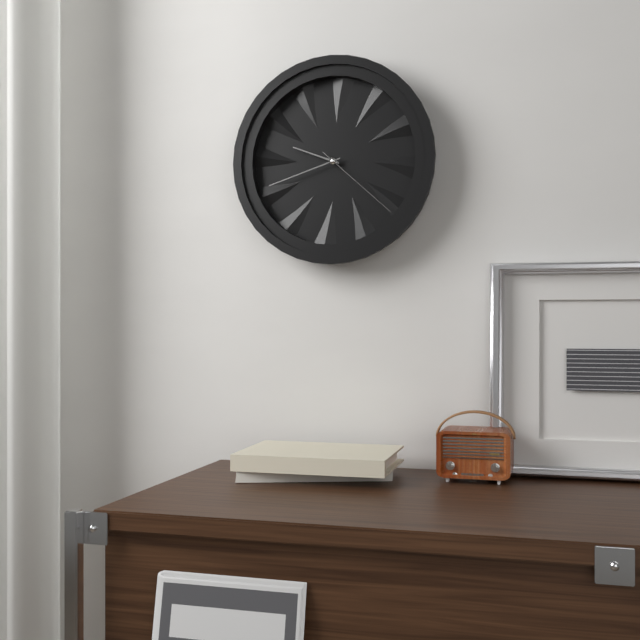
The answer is 9h42m22s
